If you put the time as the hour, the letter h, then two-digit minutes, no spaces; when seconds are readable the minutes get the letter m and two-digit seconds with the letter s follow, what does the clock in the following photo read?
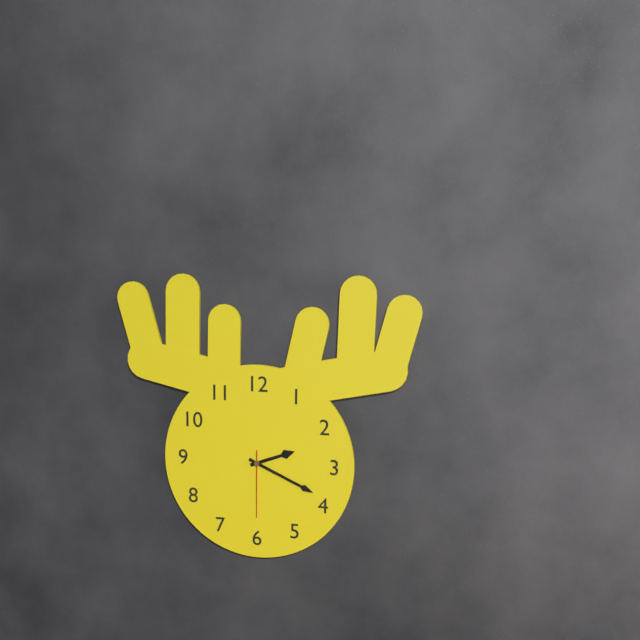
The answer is 2h19m30s
